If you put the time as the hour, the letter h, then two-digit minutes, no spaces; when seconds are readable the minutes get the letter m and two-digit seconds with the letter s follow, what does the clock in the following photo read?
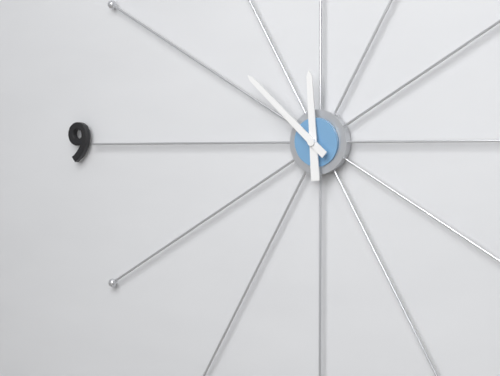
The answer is 11h52
